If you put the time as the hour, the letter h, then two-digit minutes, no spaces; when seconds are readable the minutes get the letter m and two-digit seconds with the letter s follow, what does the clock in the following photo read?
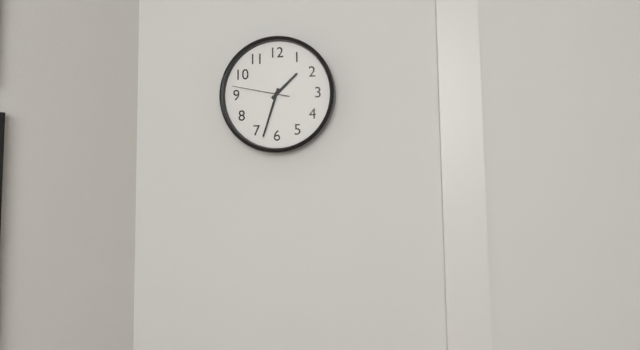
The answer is 1h33m47s
